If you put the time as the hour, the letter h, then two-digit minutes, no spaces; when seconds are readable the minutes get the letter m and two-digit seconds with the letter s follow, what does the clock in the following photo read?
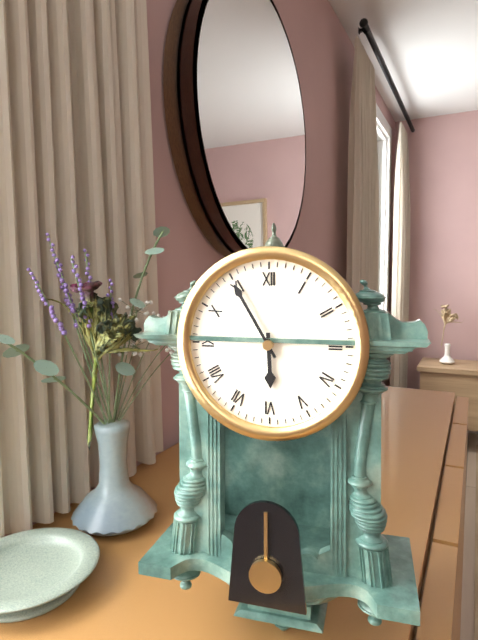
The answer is 5h55
